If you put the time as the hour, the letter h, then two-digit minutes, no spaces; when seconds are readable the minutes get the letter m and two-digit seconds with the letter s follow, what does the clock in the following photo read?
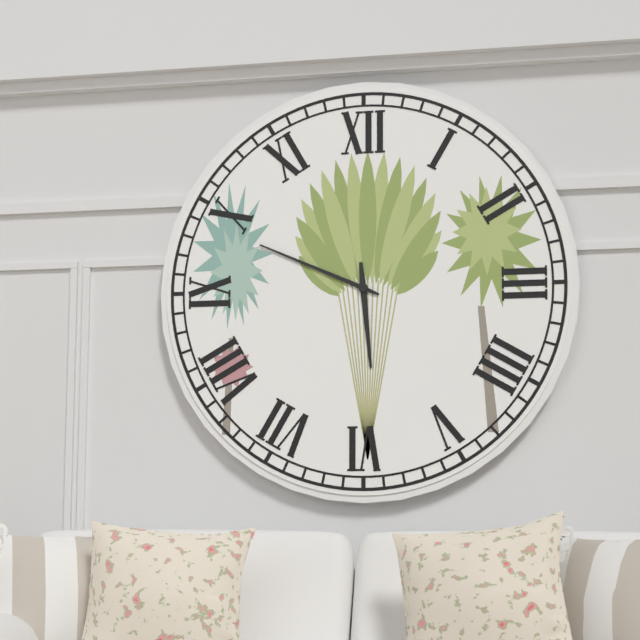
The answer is 5h49
